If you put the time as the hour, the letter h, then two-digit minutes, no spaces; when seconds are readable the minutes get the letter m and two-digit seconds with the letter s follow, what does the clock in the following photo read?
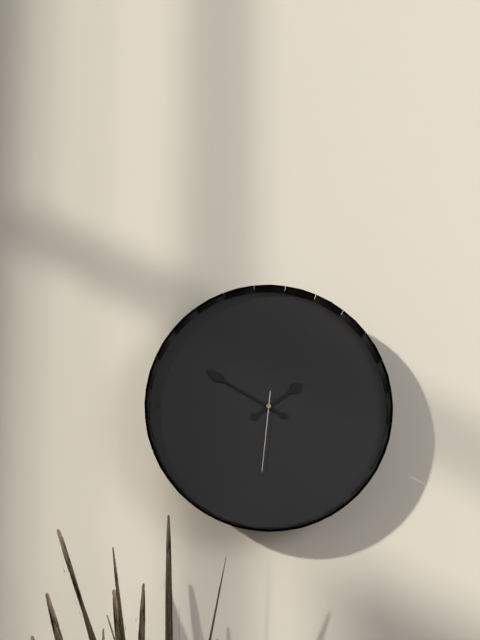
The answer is 1h50m31s
